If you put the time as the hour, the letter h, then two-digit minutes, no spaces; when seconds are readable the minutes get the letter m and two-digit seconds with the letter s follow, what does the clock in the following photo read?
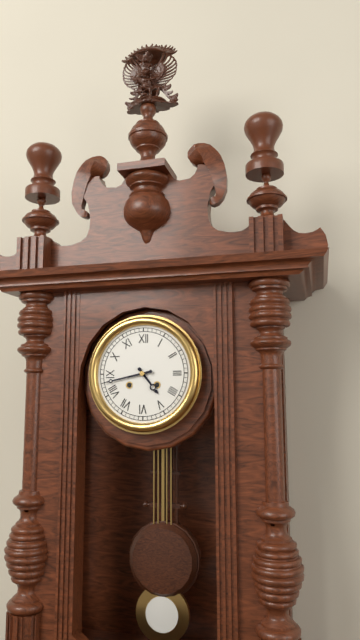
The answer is 4h43
